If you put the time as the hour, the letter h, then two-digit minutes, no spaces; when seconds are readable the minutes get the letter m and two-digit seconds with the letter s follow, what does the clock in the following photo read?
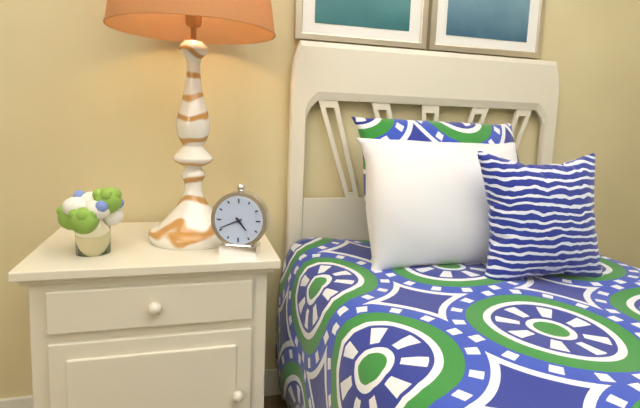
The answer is 4h41
